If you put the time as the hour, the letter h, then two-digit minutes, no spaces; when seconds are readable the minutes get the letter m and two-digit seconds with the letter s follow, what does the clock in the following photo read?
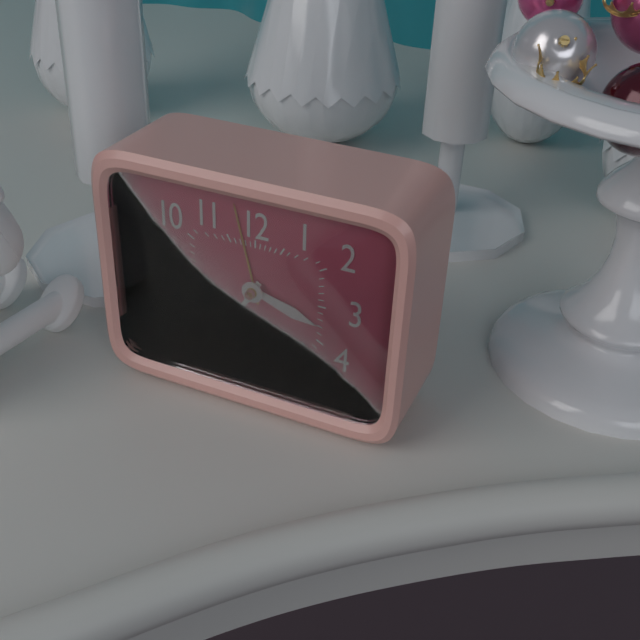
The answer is 3h35
